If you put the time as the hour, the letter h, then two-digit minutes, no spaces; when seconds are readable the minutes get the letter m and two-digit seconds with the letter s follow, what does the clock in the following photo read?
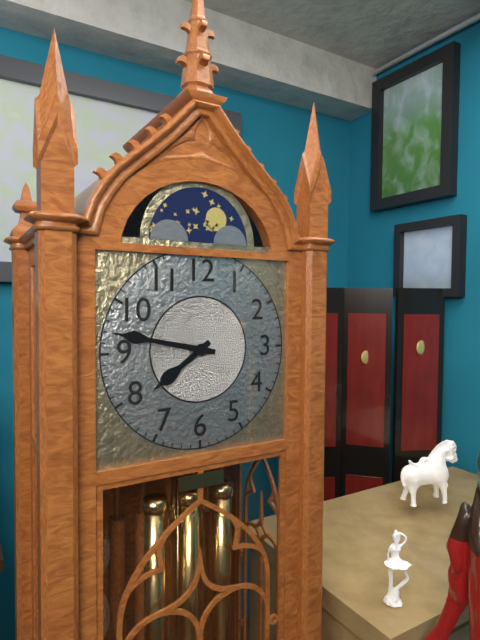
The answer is 7h47
